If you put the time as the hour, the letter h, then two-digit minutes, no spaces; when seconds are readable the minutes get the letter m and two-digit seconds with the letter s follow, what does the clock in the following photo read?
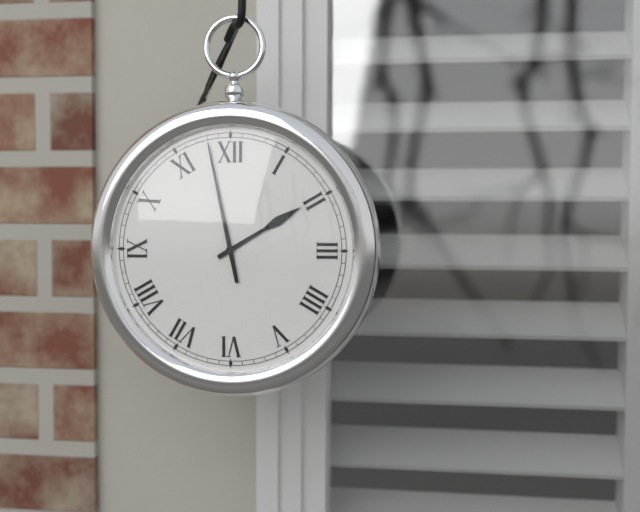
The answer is 1h58
